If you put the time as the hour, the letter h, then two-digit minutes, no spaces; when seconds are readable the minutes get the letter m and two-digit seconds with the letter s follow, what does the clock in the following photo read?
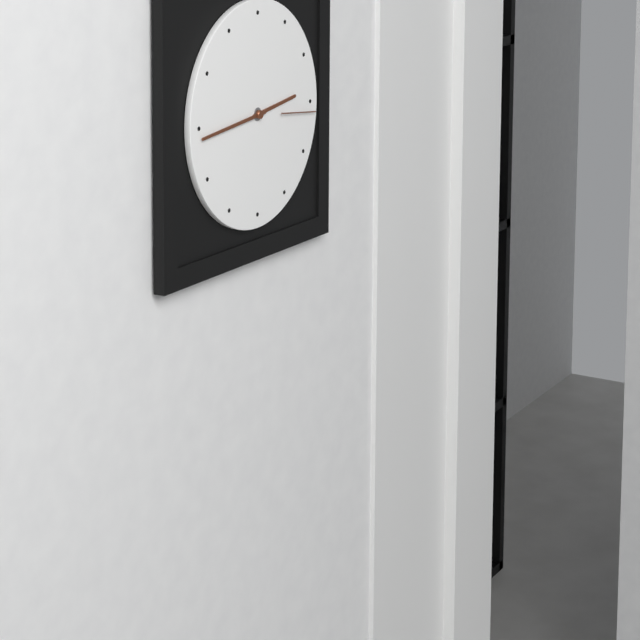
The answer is 2h44m16s
